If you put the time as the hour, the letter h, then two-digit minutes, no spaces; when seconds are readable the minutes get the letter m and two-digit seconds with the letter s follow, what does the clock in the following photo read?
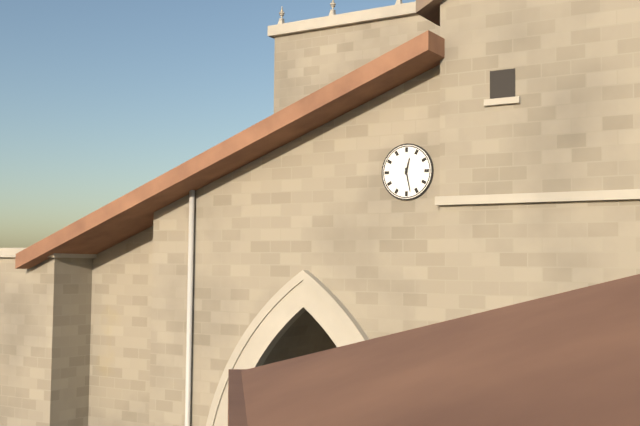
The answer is 12h28
